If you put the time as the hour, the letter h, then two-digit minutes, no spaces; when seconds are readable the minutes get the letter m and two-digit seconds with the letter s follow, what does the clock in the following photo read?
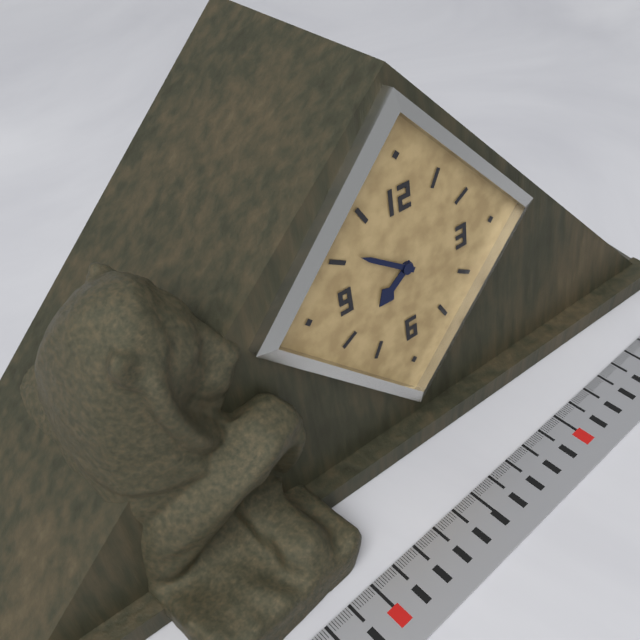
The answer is 7h51
